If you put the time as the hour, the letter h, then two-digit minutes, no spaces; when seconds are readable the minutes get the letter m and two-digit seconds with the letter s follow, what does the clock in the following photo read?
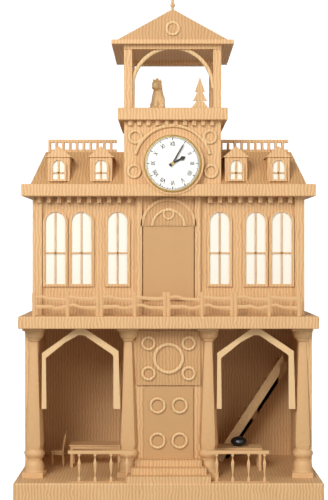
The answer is 2h05
